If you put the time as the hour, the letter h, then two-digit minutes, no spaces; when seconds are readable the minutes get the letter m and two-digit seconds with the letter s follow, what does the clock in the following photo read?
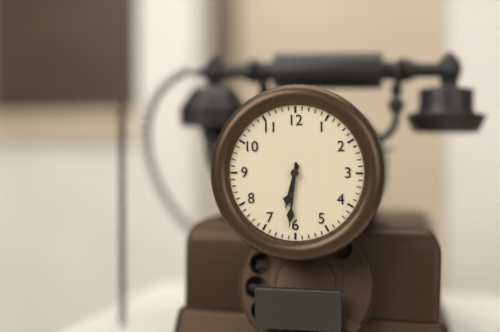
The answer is 6h31
